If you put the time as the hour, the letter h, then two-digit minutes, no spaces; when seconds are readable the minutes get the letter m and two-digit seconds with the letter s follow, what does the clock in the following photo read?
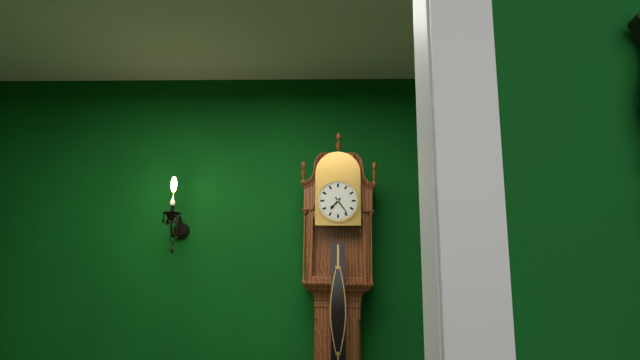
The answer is 7h24
